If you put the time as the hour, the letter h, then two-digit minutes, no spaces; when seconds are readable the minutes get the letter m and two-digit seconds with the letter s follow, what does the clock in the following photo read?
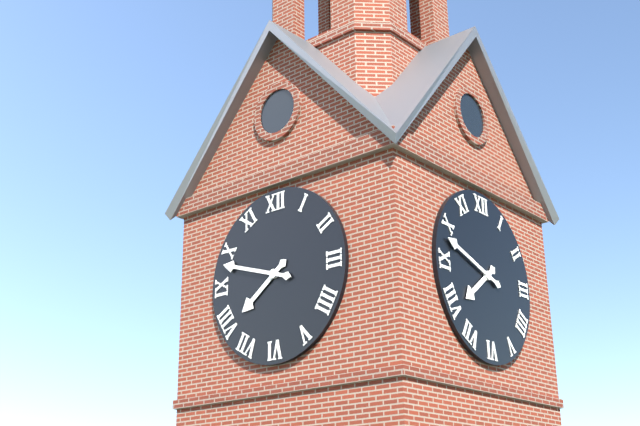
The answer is 7h48
